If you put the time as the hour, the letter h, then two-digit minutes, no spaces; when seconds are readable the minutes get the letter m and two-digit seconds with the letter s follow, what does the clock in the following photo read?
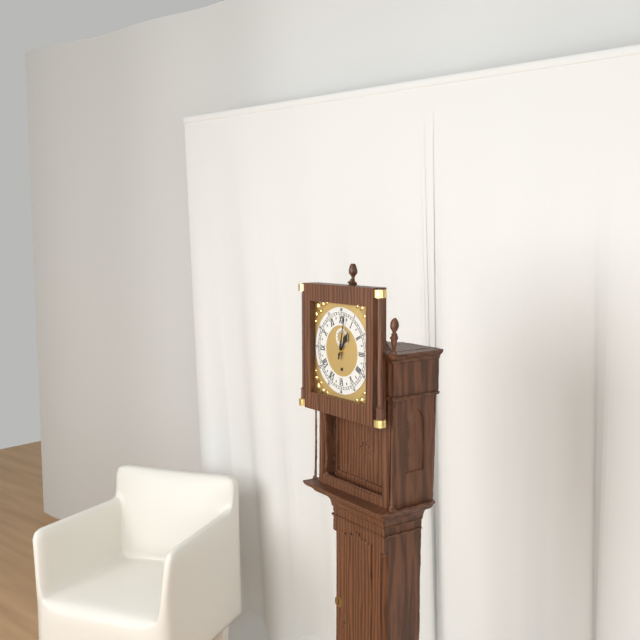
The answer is 1h02
